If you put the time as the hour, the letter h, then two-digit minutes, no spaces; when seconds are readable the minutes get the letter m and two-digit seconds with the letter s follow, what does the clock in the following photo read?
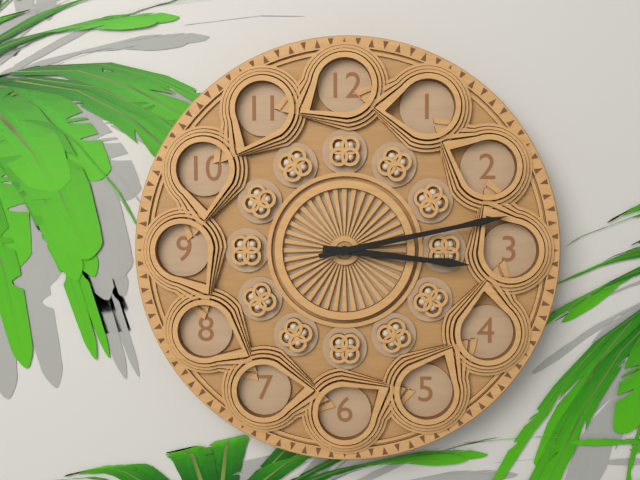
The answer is 3h13
